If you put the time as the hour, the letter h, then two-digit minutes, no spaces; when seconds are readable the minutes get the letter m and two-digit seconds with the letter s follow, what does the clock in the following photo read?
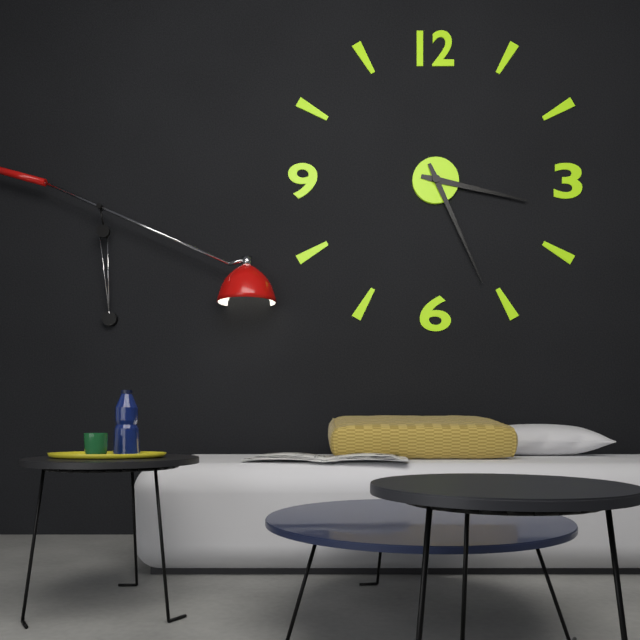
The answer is 3h26
